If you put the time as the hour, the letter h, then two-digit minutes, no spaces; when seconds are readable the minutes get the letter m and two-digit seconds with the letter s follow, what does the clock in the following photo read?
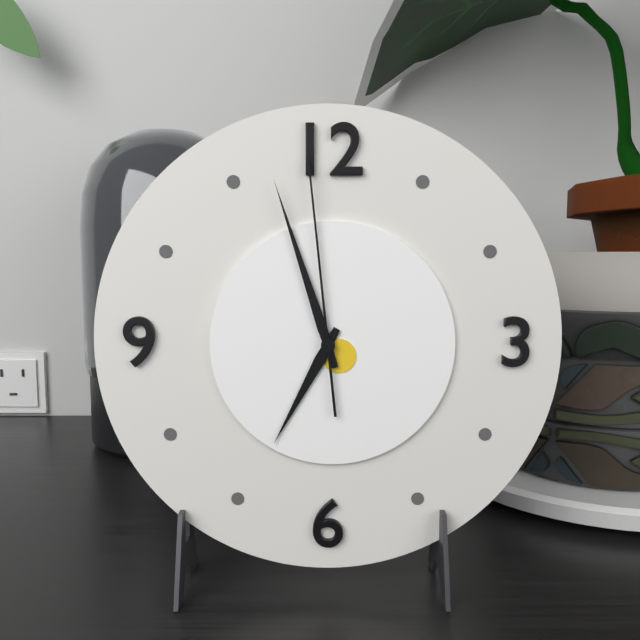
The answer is 6h57m59s
